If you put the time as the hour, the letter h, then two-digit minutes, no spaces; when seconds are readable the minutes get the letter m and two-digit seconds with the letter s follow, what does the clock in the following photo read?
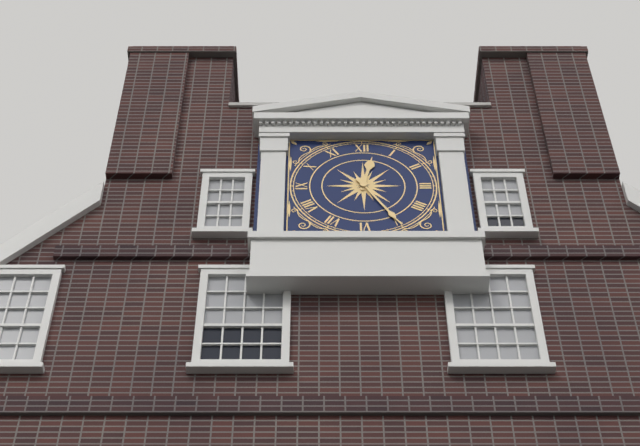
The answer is 12h25
